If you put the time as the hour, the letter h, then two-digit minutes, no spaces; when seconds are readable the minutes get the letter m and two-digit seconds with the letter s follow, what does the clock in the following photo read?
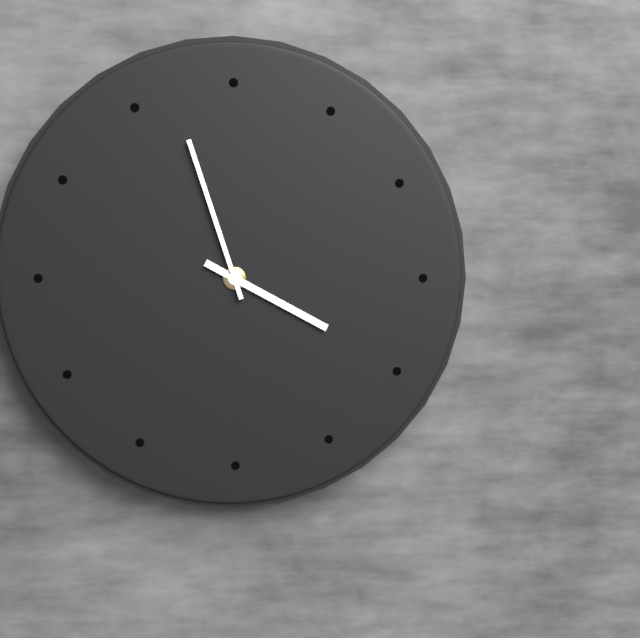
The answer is 3h57
